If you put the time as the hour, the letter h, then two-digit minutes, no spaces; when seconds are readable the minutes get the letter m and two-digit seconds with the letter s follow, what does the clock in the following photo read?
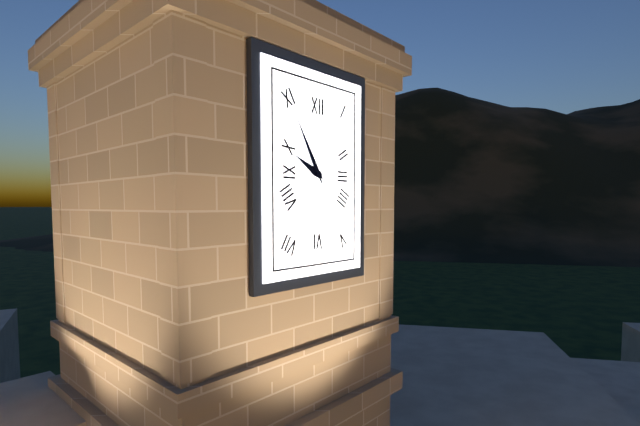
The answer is 9h55
